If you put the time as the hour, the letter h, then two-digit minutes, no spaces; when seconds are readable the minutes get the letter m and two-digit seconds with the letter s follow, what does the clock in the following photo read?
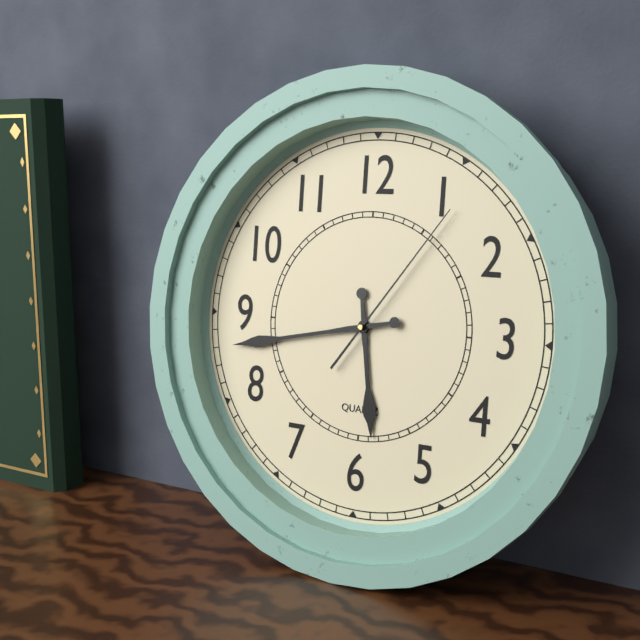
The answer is 5h43m06s
